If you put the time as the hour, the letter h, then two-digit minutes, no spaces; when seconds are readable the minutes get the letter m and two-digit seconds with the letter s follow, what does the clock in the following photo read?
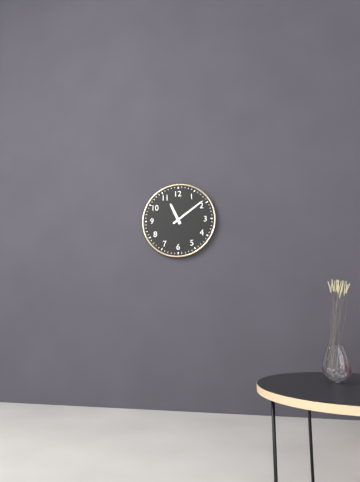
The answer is 11h09
